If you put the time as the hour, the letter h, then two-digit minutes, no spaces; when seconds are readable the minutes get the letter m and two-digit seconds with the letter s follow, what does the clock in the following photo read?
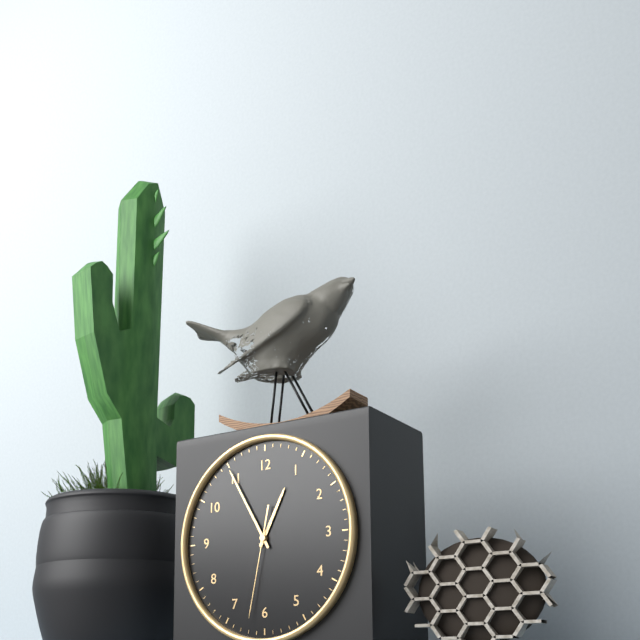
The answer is 12h55m32s
